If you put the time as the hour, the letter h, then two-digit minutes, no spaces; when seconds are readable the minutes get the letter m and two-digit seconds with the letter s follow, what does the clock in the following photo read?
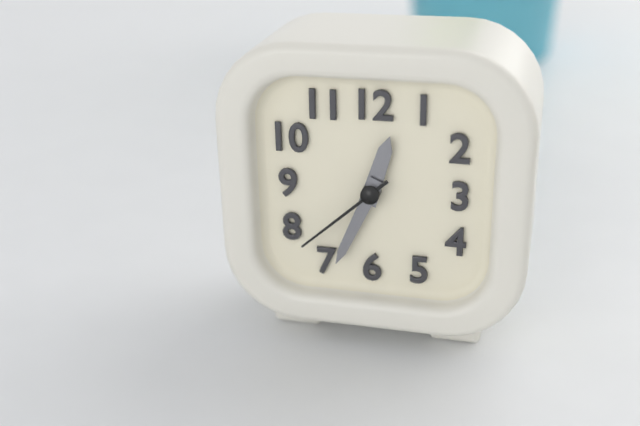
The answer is 12h34m38s
